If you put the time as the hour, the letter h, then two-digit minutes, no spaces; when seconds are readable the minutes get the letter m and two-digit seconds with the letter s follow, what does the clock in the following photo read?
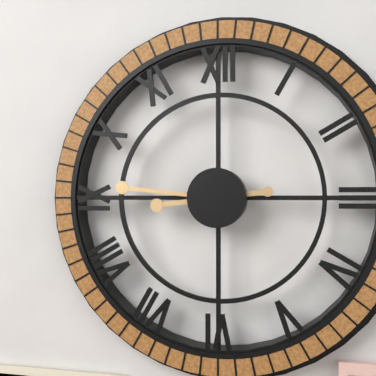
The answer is 8h46
